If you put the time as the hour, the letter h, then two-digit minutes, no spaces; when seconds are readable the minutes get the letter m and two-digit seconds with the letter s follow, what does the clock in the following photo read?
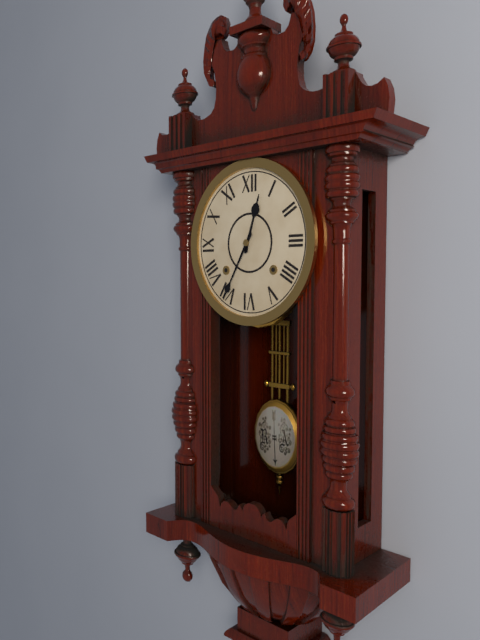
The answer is 12h35
